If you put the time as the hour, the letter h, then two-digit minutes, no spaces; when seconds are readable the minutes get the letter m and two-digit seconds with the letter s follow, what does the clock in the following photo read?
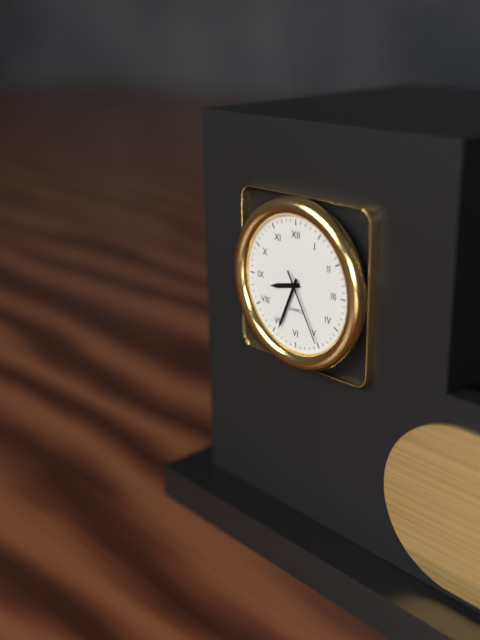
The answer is 8h34m25s
